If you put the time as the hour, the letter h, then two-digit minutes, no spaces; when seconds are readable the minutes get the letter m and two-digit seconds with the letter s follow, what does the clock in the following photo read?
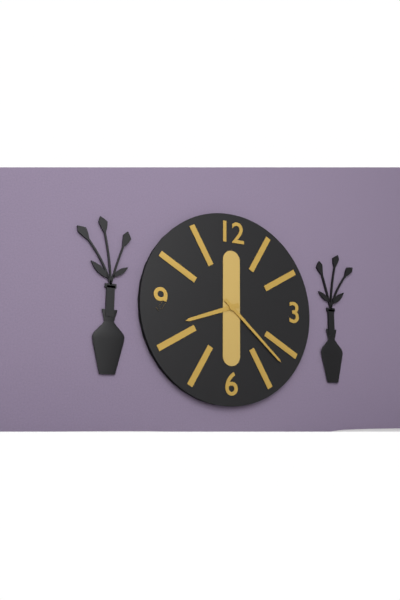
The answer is 8h22
